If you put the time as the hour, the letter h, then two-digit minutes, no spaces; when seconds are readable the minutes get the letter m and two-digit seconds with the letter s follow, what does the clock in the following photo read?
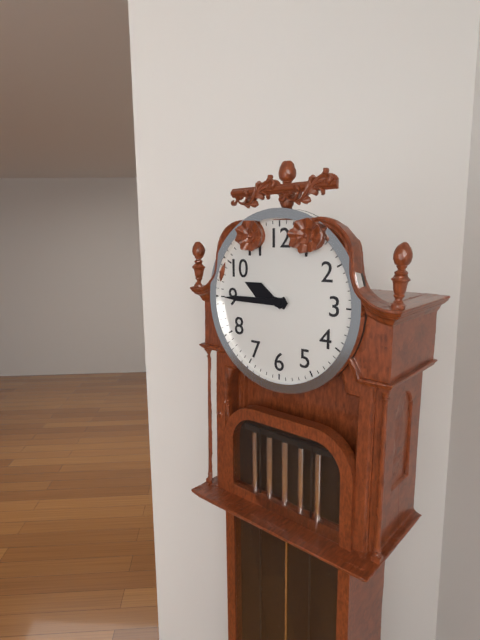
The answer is 9h45
